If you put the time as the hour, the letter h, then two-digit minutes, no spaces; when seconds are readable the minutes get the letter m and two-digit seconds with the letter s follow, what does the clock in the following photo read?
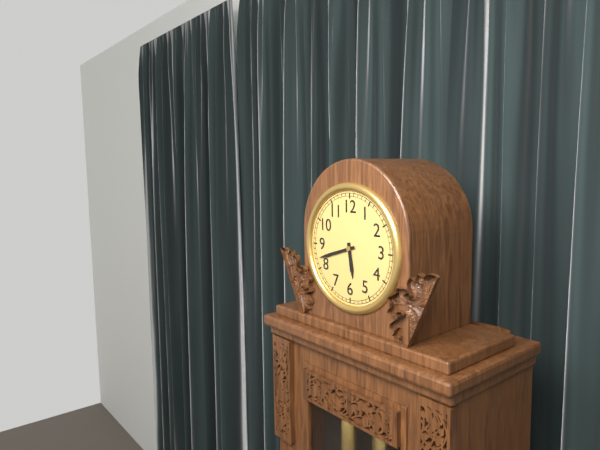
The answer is 5h42
